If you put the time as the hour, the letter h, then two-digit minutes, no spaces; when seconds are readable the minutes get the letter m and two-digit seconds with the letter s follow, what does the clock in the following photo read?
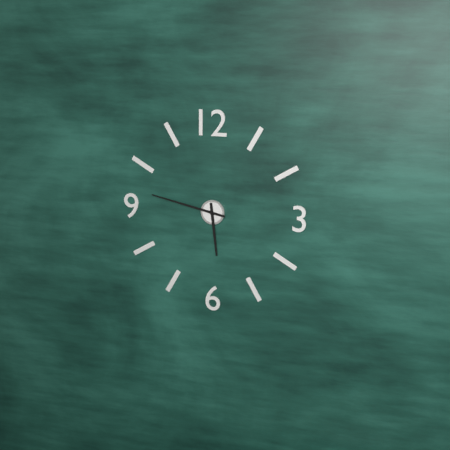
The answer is 5h47
